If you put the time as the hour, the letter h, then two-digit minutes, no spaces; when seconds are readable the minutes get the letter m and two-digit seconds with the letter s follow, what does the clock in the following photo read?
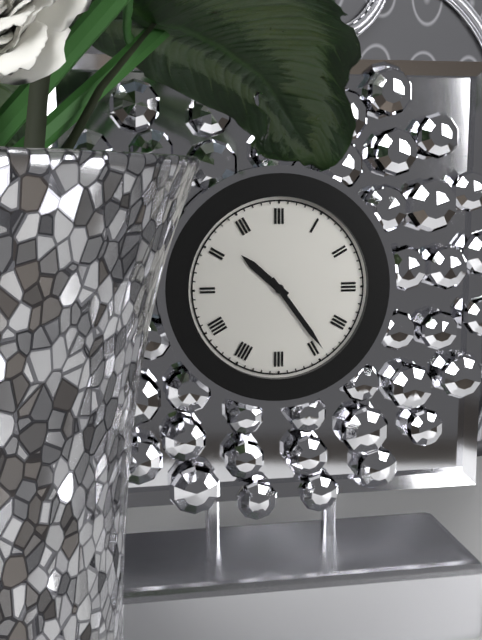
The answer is 10h24
